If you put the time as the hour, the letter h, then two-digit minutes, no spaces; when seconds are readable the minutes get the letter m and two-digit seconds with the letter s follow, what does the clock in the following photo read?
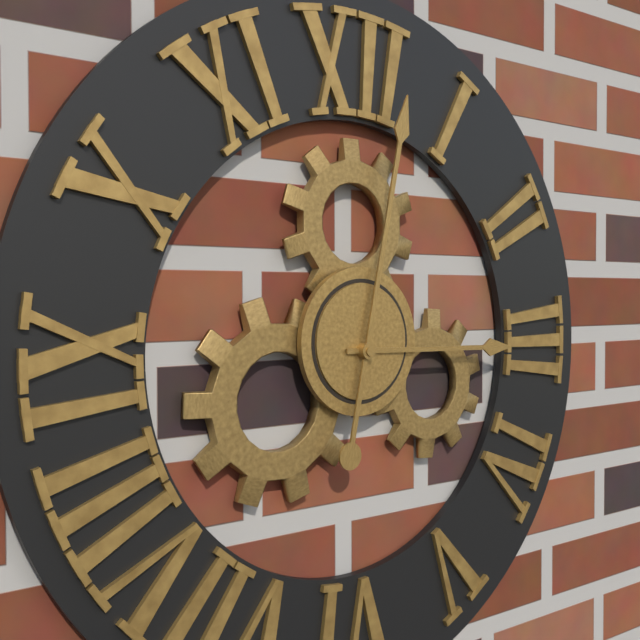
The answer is 3h02
